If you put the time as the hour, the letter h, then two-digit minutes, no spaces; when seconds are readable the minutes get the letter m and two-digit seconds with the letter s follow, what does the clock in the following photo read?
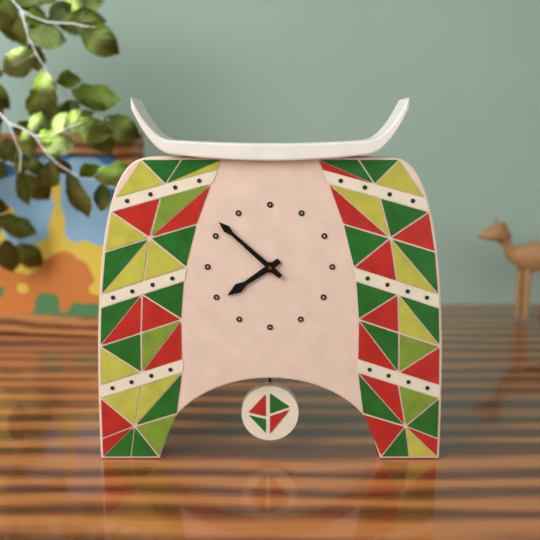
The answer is 7h52
